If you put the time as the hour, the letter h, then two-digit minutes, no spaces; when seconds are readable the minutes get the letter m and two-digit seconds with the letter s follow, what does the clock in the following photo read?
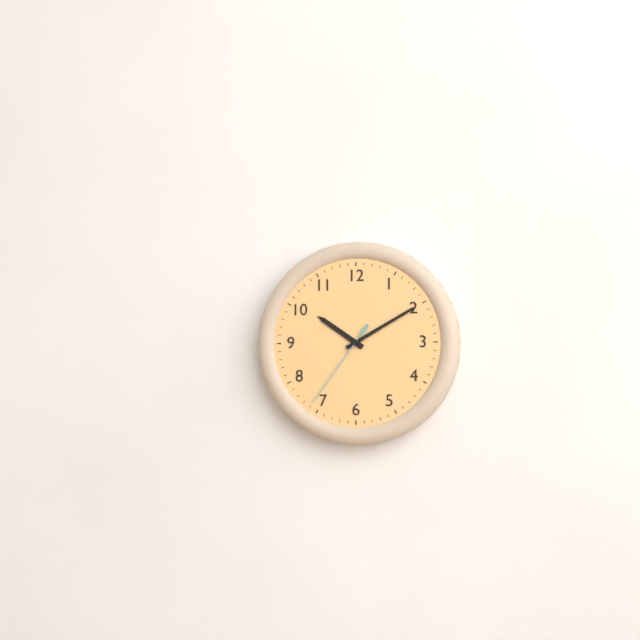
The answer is 10h10m36s
